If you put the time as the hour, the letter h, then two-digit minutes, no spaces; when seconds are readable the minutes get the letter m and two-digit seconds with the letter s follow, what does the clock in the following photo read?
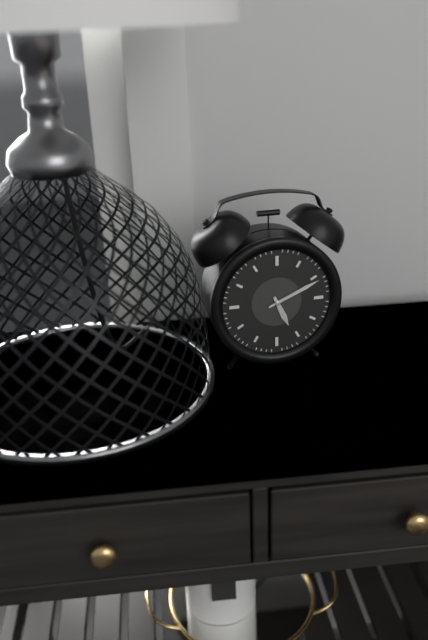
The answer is 5h11
